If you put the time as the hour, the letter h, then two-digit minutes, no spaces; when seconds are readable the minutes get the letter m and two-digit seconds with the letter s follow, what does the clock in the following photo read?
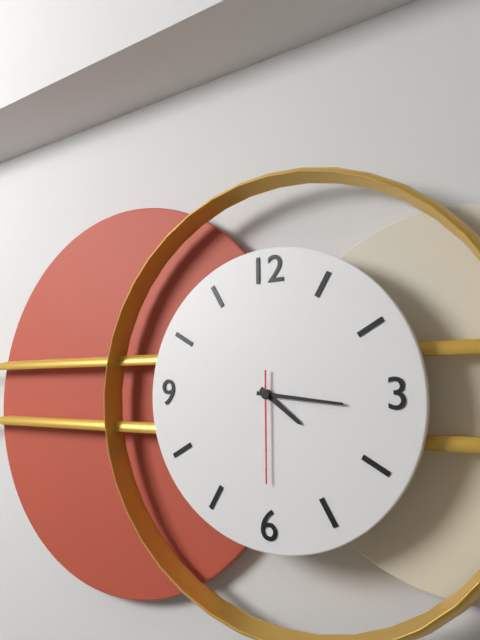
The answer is 4h16m30s
